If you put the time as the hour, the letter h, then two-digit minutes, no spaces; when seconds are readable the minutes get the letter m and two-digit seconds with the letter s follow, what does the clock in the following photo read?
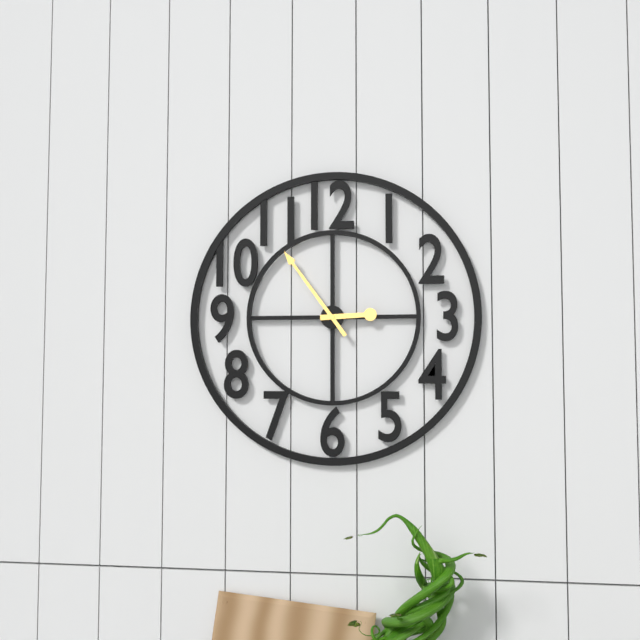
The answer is 2h54
